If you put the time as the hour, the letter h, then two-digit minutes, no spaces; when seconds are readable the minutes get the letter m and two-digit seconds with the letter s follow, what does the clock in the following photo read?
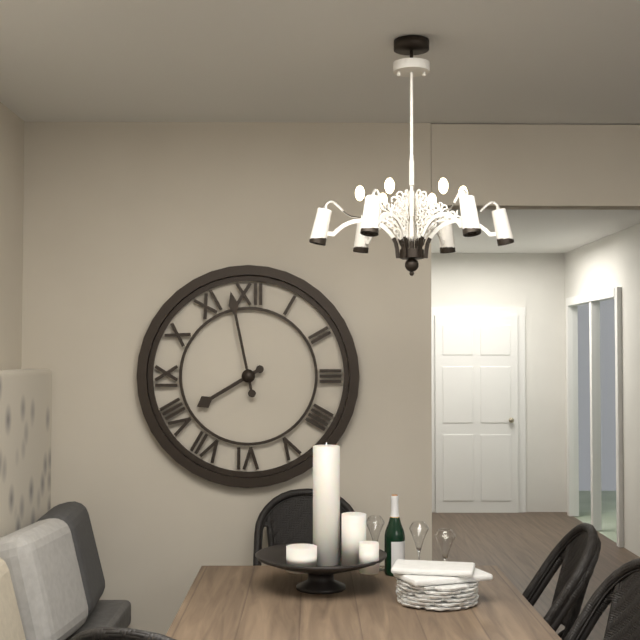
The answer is 7h58
